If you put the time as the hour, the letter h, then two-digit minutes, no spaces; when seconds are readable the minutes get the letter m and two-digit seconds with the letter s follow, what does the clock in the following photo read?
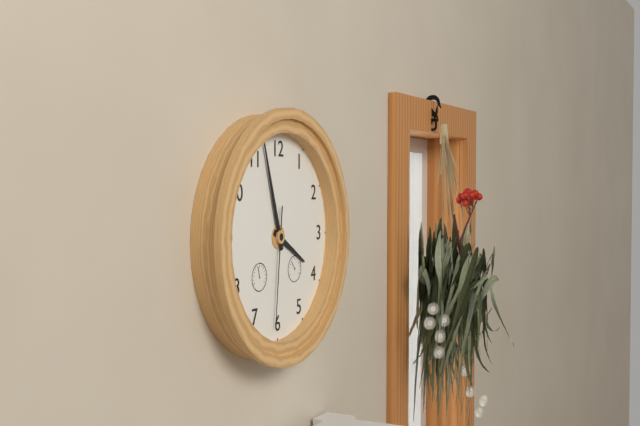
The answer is 3h57m31s
